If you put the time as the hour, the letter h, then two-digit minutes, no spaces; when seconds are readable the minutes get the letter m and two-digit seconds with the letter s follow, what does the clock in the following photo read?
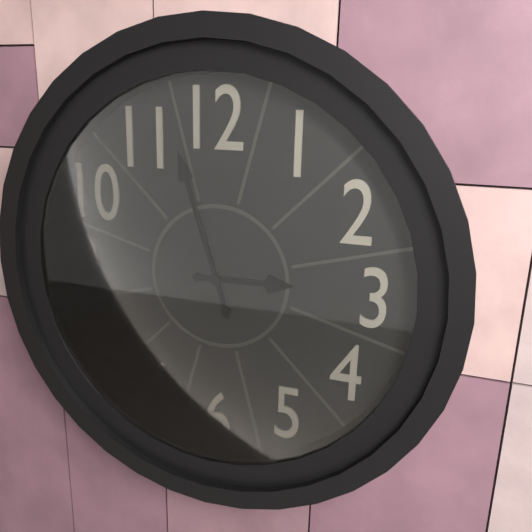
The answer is 2h57
